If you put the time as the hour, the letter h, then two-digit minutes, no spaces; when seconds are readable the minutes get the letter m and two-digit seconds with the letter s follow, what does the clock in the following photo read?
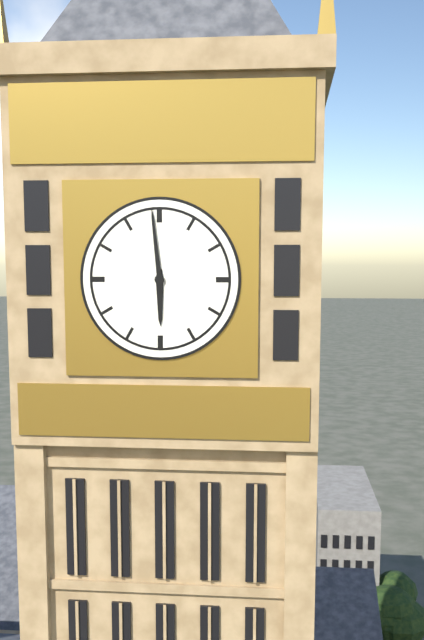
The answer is 5h59
